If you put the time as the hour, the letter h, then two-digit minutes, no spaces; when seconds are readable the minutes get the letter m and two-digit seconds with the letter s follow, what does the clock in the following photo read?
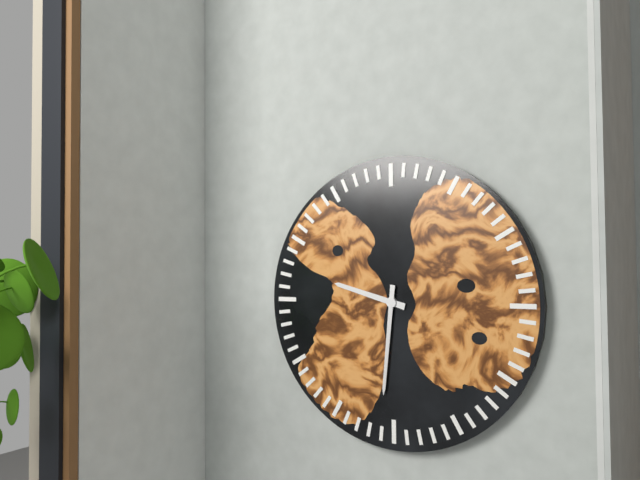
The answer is 9h31
